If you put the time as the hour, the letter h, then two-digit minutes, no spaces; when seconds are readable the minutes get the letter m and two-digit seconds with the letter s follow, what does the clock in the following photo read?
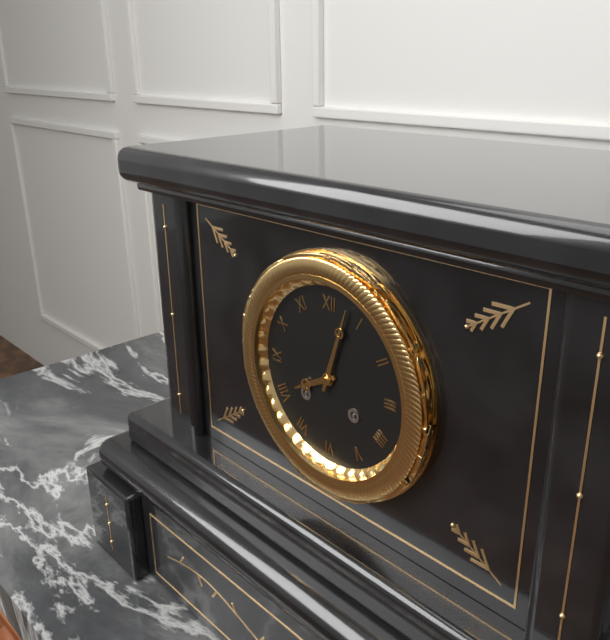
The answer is 8h03
